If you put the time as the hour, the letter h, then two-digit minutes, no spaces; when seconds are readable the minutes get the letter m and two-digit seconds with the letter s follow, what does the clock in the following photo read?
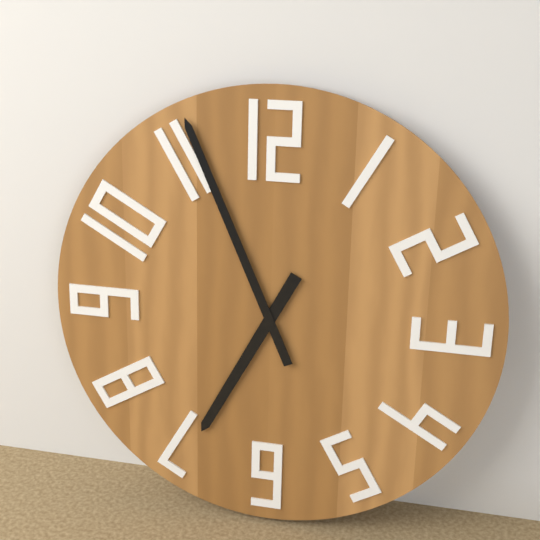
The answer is 6h56
